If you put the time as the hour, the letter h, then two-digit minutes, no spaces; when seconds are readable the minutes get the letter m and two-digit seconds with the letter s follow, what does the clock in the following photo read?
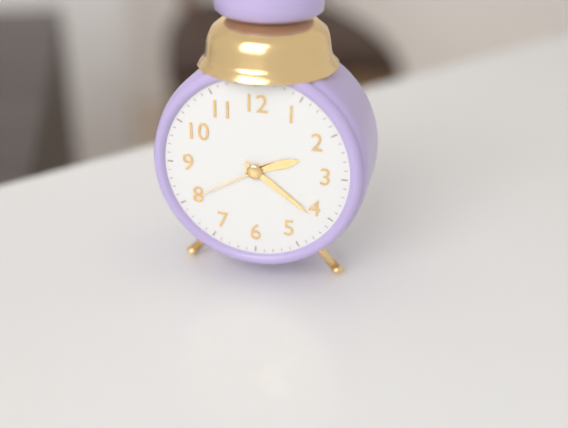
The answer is 2h21m40s
